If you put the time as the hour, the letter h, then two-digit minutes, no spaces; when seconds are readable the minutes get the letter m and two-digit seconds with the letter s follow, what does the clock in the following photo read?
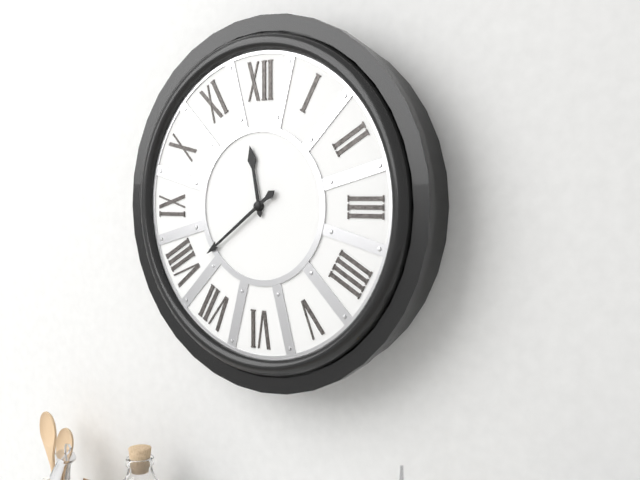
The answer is 11h39
